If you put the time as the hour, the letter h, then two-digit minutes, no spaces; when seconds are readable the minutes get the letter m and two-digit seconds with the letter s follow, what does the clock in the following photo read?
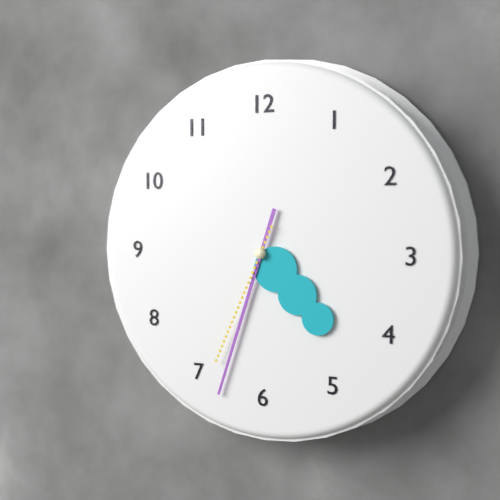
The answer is 4h33m34s
